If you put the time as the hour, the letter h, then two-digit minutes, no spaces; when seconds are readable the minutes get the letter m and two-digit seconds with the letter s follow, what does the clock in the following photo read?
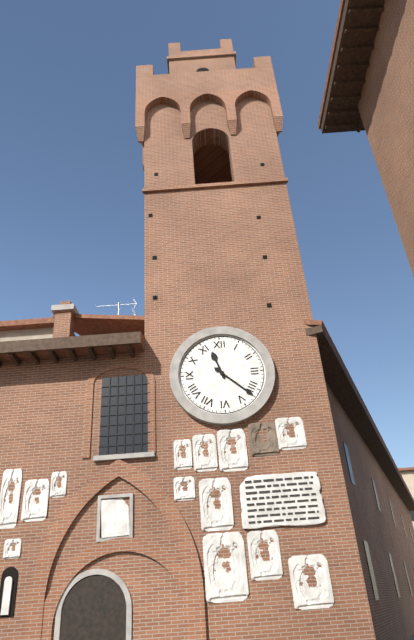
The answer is 11h22
